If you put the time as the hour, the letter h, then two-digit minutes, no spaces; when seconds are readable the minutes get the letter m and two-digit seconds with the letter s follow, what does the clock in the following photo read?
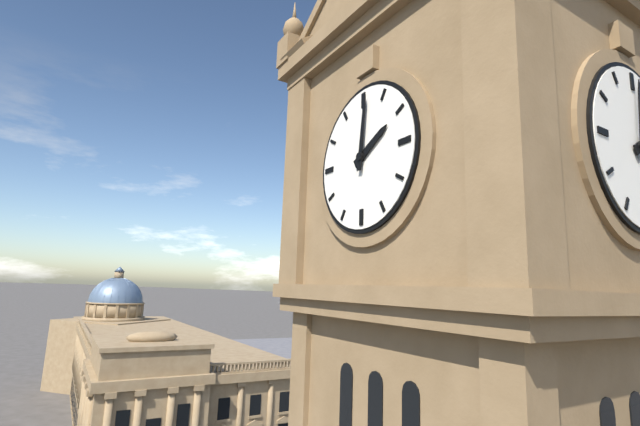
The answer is 2h01
